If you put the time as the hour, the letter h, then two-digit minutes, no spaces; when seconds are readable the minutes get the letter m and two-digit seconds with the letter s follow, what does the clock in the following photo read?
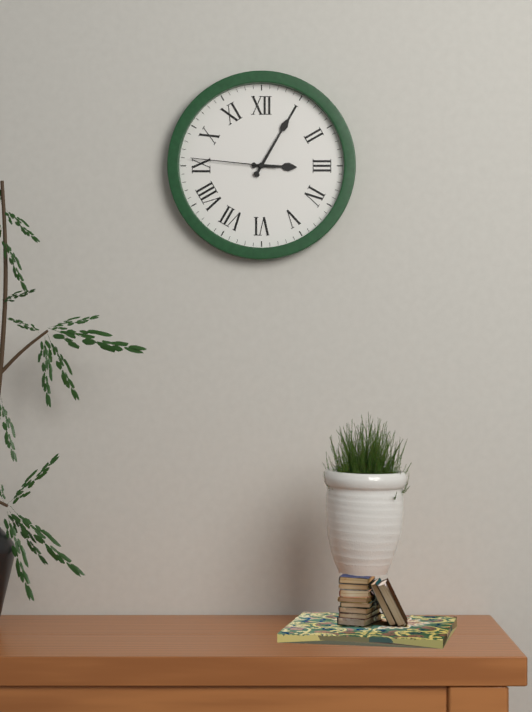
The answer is 3h05m46s
